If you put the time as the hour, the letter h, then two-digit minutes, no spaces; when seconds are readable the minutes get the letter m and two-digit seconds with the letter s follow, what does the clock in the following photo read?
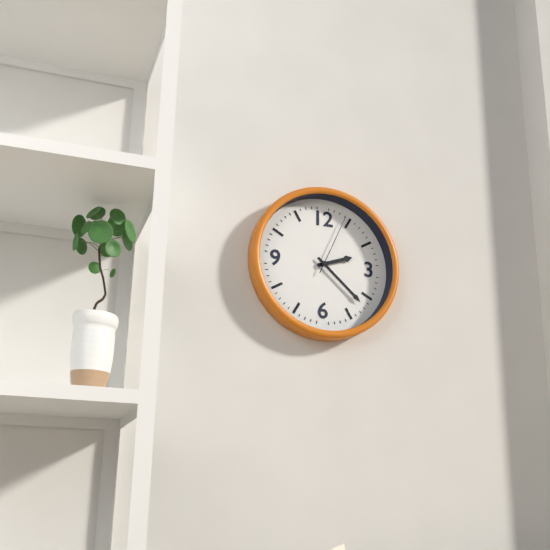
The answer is 2h22m04s
